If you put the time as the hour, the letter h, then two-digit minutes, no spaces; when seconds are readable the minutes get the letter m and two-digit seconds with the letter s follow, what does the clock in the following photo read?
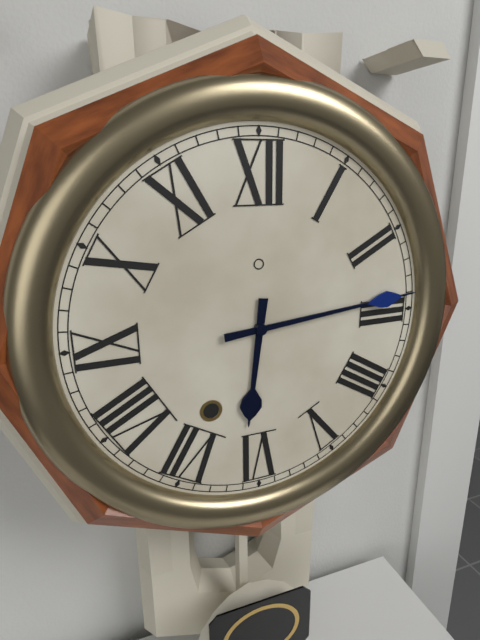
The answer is 6h14
